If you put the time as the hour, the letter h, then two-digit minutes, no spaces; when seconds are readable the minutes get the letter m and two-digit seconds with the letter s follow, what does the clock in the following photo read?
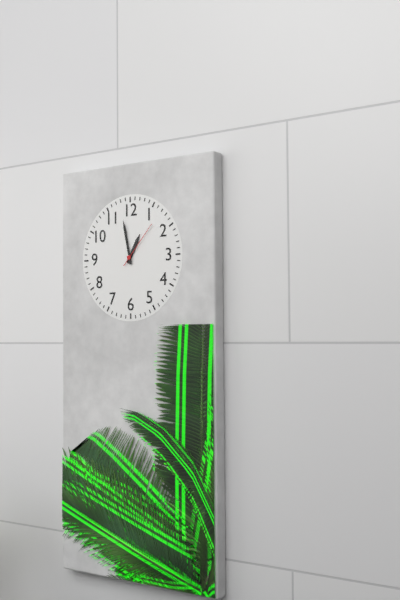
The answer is 12h58m07s
